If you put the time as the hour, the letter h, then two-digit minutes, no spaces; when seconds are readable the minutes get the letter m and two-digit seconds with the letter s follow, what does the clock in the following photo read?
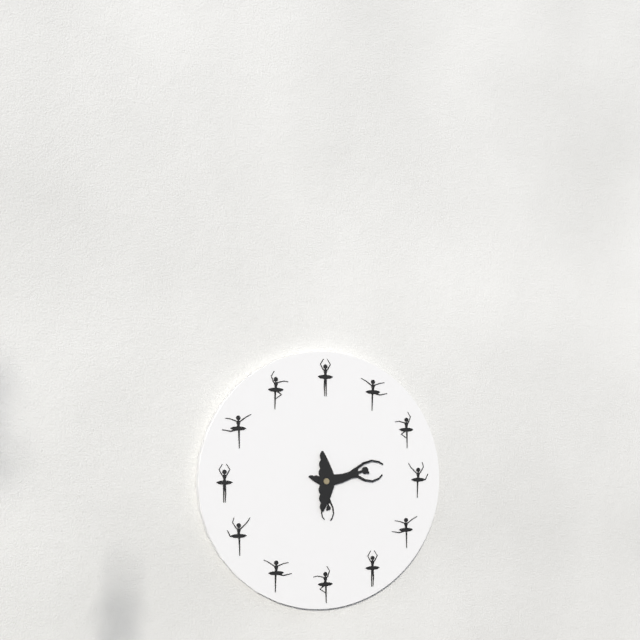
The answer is 6h15
